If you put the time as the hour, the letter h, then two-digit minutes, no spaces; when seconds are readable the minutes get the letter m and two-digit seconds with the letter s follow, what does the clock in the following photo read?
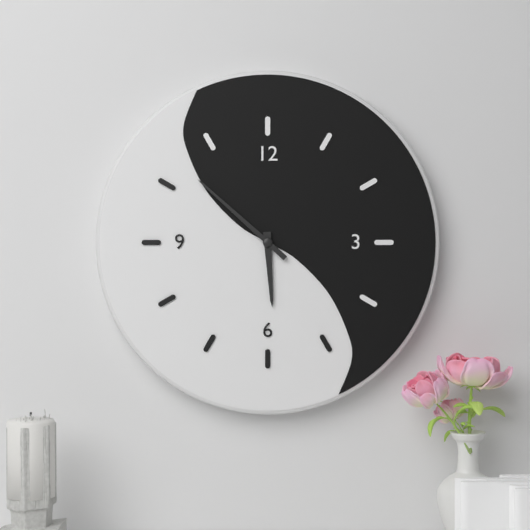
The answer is 5h52
